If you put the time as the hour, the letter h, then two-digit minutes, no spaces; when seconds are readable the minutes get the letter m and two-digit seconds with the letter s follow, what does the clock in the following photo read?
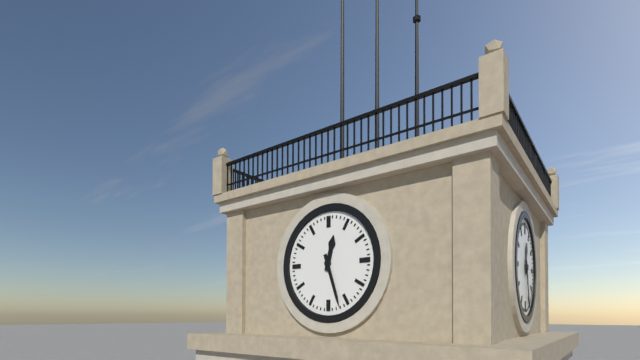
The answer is 12h27
